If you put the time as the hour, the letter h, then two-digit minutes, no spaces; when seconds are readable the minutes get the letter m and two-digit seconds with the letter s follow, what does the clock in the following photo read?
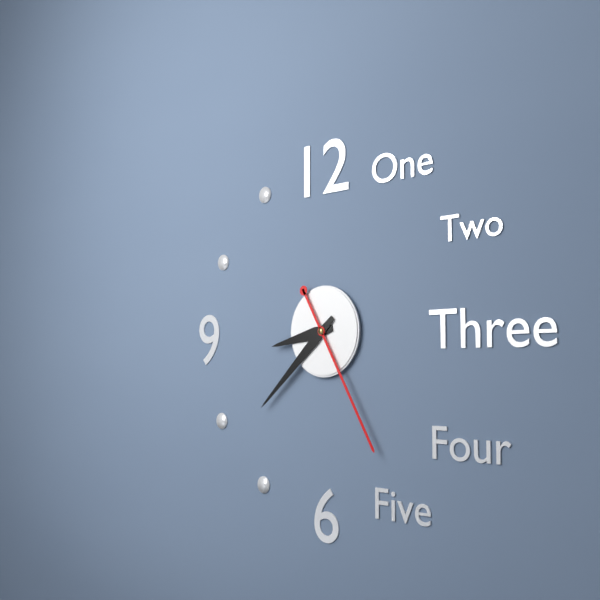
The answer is 8h38m25s
